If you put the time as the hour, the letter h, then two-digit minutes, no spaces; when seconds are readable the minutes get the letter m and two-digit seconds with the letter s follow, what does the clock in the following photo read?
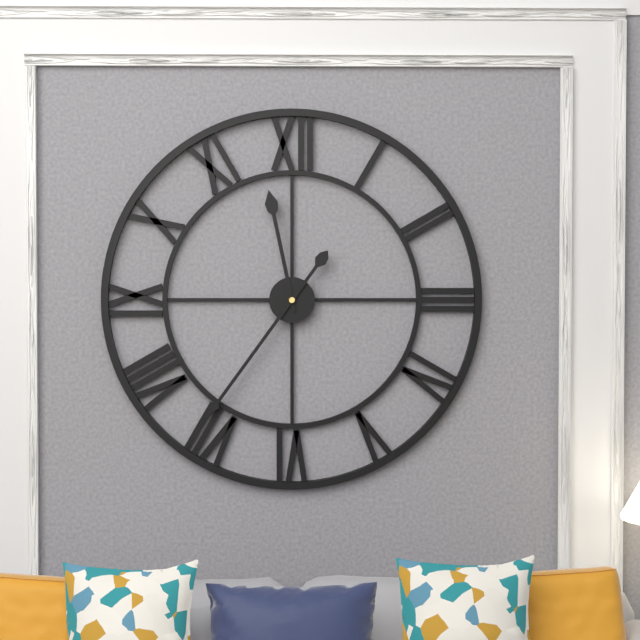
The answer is 11h36
